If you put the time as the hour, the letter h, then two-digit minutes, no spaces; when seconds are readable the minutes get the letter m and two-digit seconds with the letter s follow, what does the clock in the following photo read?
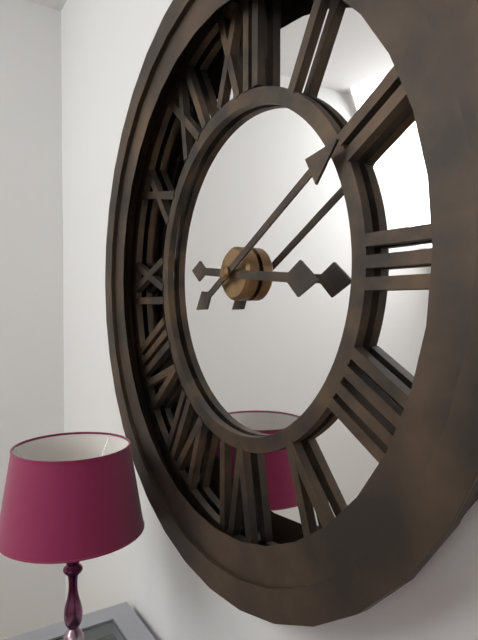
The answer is 3h10
